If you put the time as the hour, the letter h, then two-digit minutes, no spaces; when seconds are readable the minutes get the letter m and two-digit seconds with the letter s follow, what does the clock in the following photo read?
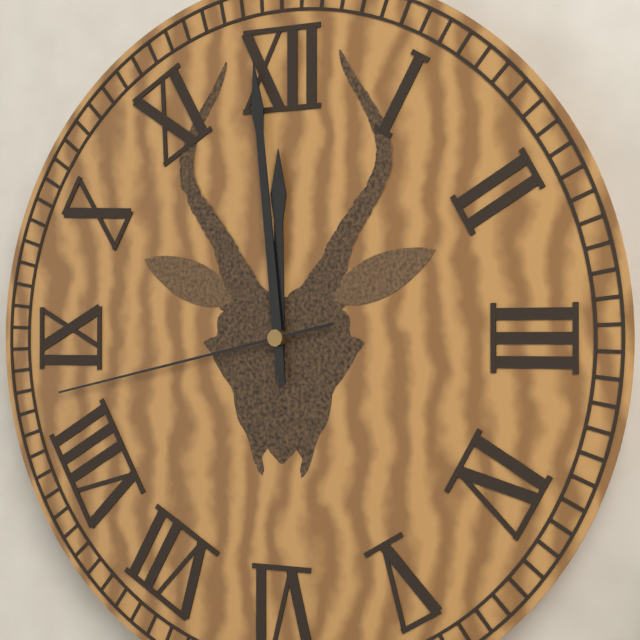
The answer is 11h59m43s
